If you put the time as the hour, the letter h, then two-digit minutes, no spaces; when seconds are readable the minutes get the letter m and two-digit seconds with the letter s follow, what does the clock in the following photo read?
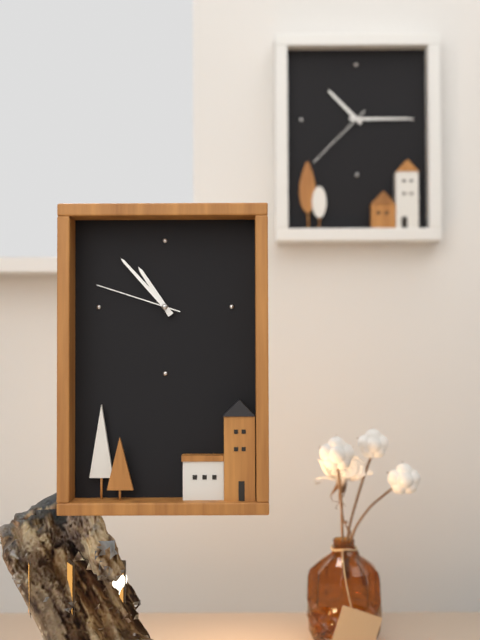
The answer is 10h53m48s
